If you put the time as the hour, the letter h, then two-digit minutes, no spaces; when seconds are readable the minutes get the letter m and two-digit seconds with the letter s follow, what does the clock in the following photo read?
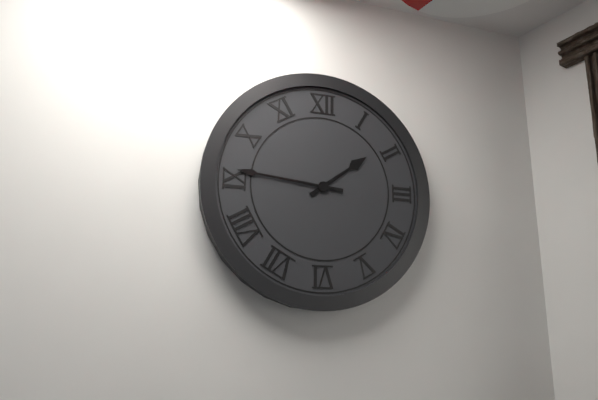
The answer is 1h46
